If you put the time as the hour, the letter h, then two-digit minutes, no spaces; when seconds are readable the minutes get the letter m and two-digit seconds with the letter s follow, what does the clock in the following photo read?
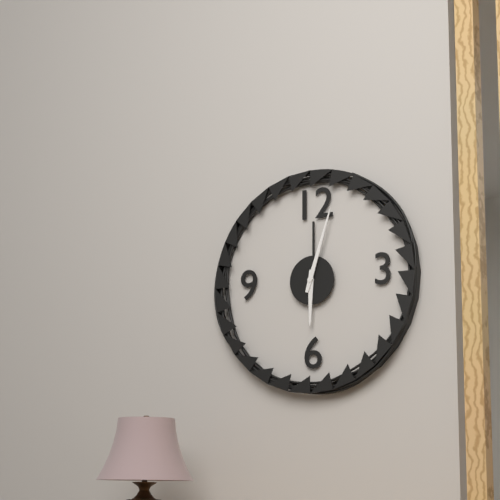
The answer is 6h03
